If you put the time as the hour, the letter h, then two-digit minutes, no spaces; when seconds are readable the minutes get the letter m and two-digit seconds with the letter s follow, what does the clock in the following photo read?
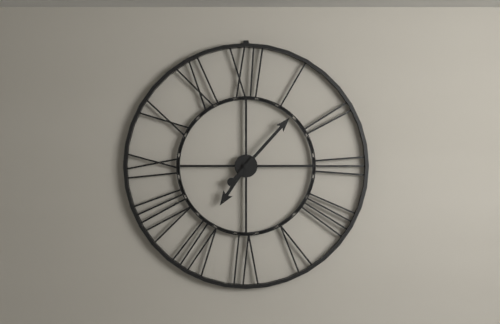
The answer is 7h07
